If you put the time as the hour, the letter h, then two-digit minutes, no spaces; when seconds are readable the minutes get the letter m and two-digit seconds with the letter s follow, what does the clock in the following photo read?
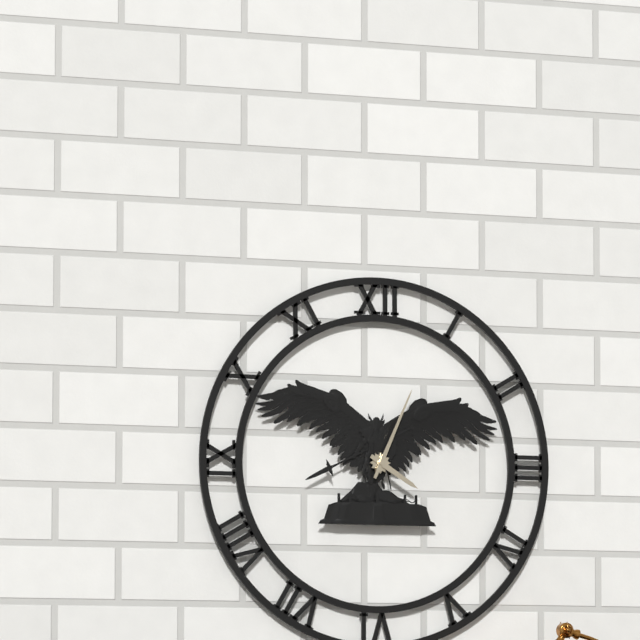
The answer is 4h04
